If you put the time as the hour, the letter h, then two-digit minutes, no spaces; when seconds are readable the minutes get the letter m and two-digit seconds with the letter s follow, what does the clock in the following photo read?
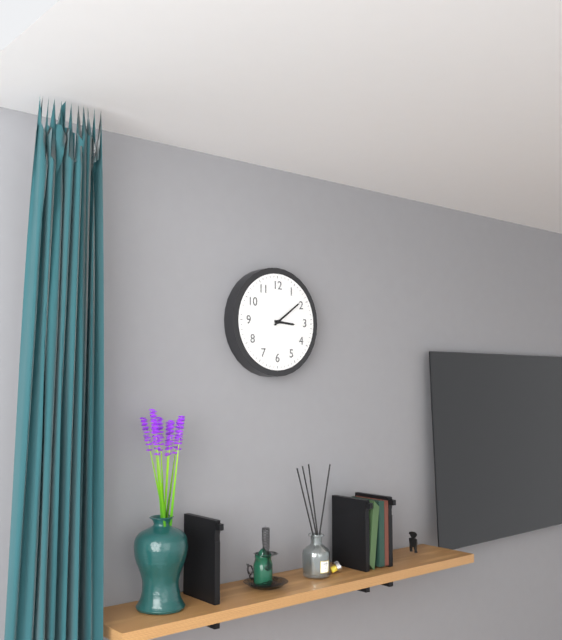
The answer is 3h09
